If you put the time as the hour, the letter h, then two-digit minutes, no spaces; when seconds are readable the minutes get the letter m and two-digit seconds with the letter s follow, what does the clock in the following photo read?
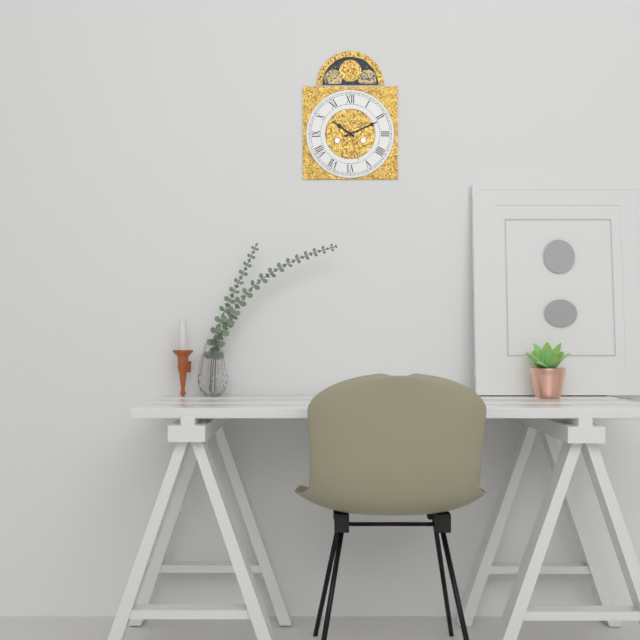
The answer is 10h11
